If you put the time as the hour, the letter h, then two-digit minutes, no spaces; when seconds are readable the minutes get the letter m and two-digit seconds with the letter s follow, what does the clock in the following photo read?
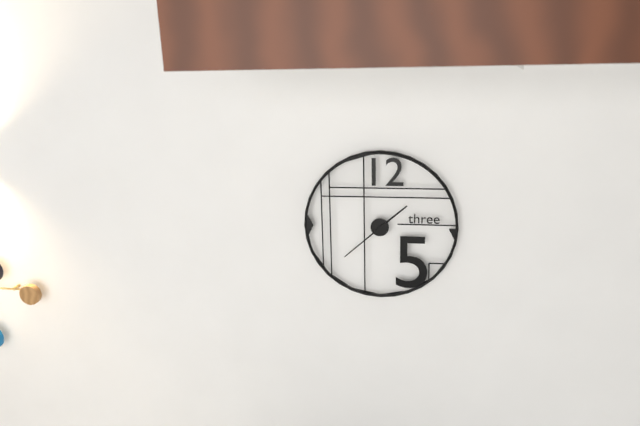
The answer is 1h38
